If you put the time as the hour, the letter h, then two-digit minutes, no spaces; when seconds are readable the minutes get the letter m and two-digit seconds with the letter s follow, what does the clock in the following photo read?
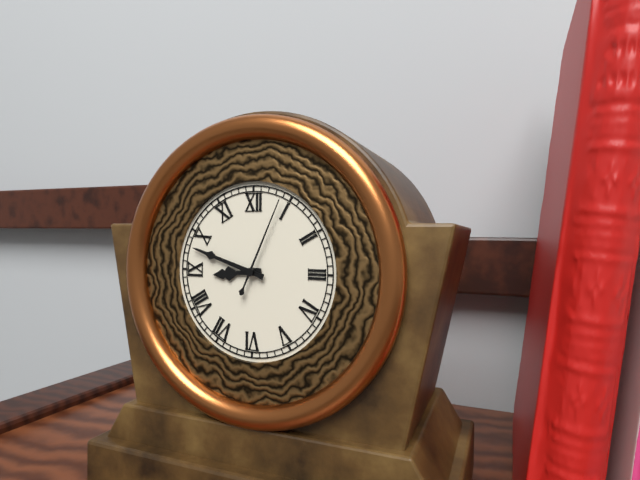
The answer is 8h48m04s
